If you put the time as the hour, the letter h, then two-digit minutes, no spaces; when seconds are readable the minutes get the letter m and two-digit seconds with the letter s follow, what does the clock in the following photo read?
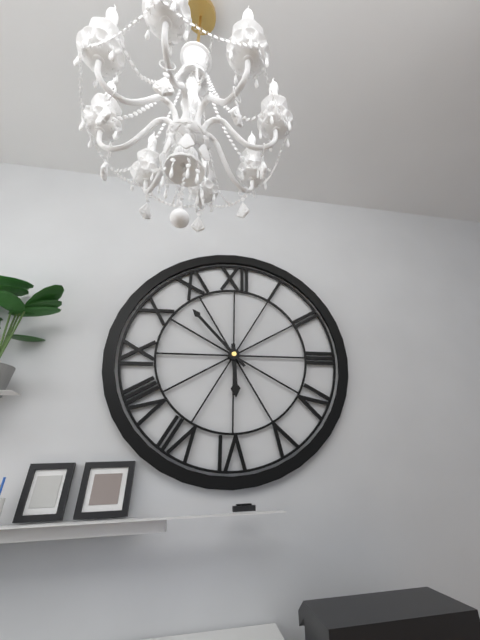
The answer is 5h53
